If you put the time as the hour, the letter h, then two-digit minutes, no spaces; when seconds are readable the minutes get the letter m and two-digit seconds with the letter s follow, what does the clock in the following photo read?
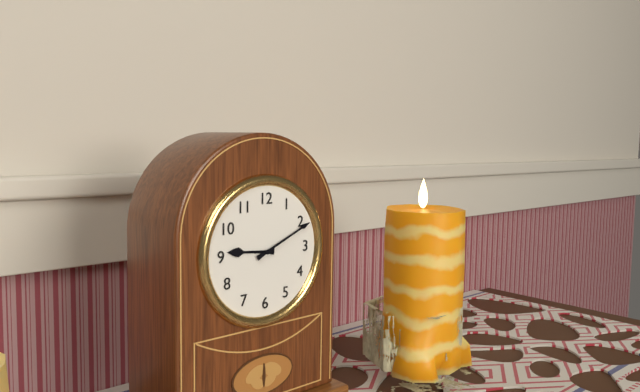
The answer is 9h11
